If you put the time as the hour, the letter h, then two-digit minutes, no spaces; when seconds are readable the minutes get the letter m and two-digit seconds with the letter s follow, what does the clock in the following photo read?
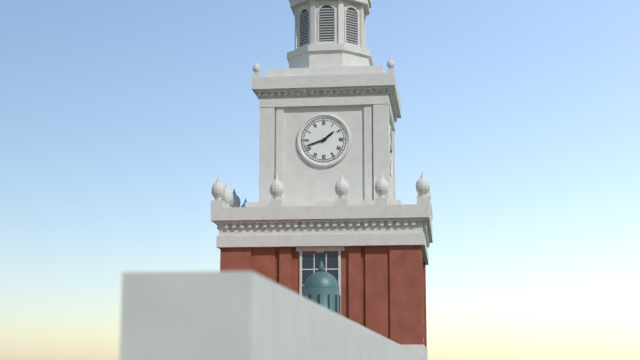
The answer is 1h42
